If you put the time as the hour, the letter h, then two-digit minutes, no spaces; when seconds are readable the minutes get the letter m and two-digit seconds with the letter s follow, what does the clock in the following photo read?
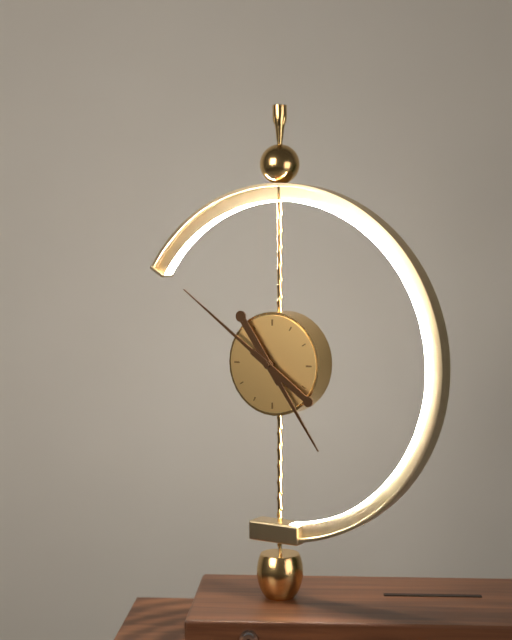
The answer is 4h51
